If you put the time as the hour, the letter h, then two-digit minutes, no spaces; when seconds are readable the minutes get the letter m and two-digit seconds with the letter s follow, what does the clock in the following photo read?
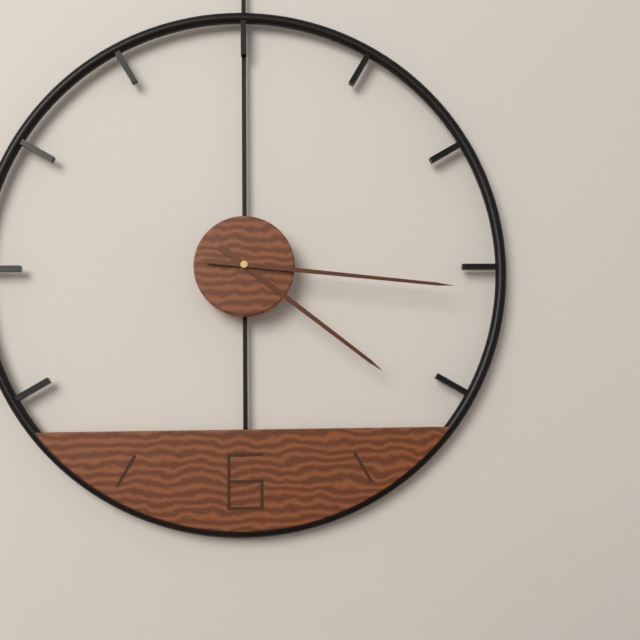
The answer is 4h16
